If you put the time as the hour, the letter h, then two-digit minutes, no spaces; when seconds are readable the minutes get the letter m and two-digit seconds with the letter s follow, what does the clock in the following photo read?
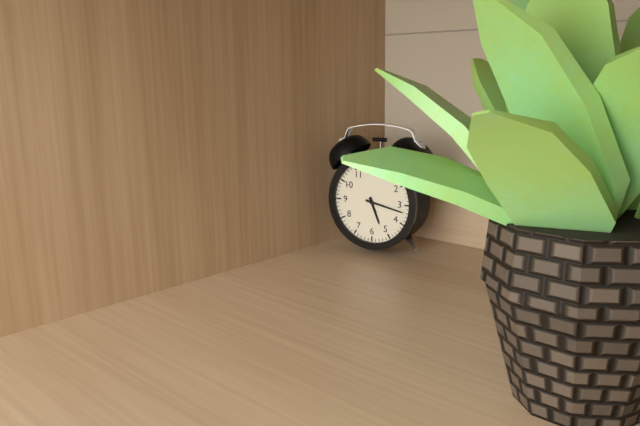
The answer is 5h17
